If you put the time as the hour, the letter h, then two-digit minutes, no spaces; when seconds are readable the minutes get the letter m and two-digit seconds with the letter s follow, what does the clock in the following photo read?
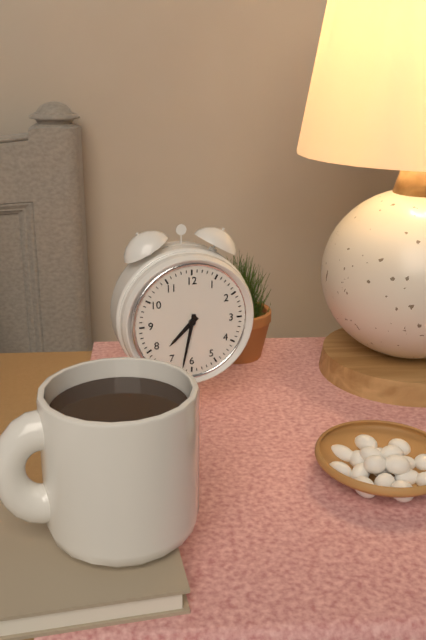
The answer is 7h32
